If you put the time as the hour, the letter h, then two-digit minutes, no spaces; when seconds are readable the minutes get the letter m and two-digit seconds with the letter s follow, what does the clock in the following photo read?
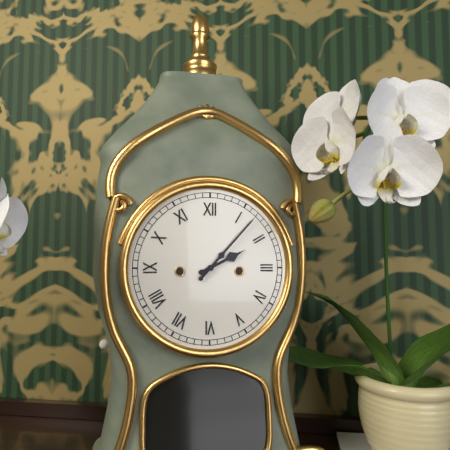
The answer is 2h07
